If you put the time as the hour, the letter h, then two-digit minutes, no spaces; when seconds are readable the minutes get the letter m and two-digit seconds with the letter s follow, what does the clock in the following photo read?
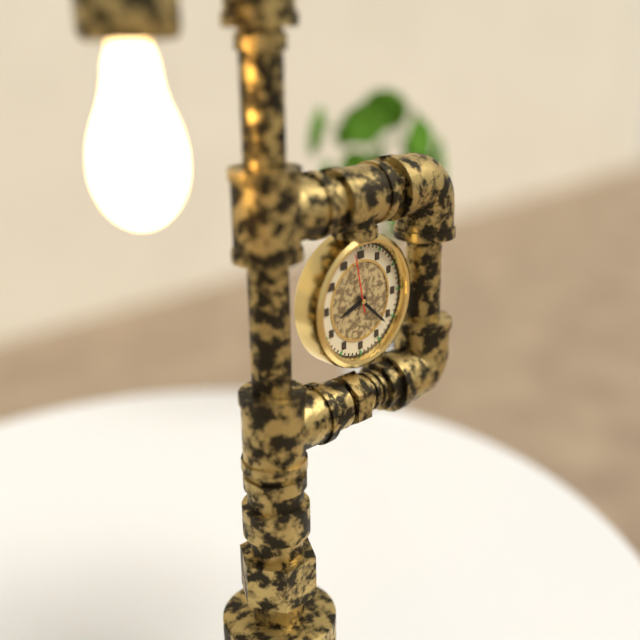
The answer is 8h22m58s
